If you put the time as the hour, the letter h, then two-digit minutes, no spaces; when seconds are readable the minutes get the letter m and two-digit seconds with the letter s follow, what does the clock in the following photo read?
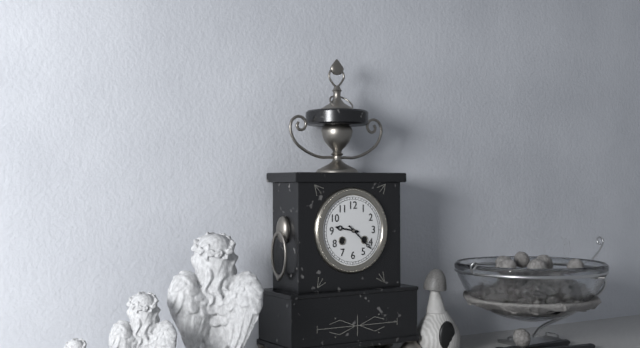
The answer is 9h22
